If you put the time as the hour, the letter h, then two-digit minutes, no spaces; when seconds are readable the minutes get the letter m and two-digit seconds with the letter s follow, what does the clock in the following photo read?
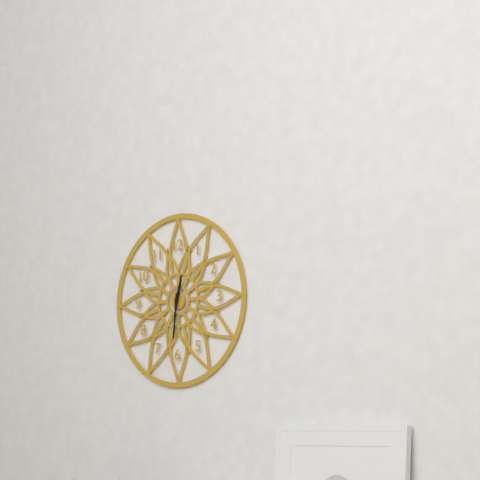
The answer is 12h31
